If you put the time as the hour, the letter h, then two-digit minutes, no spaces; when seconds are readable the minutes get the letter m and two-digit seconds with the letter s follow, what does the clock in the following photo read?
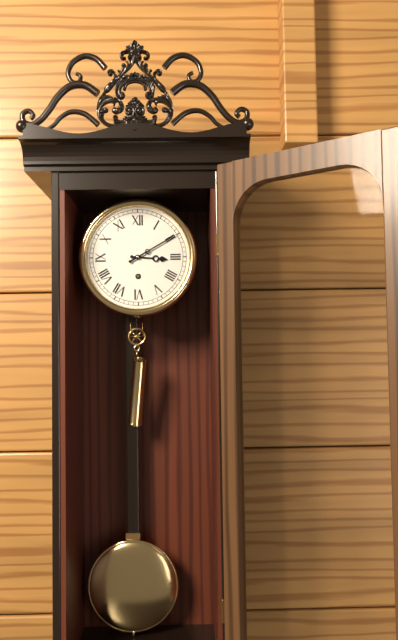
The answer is 3h10
